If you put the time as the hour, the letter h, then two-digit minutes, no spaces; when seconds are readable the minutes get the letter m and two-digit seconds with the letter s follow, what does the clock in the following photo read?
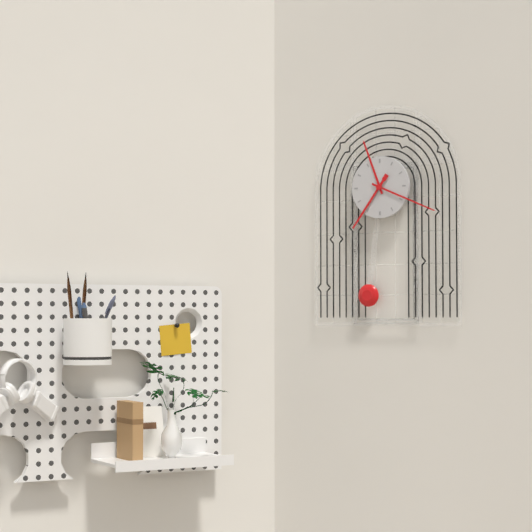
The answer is 11h19m36s
